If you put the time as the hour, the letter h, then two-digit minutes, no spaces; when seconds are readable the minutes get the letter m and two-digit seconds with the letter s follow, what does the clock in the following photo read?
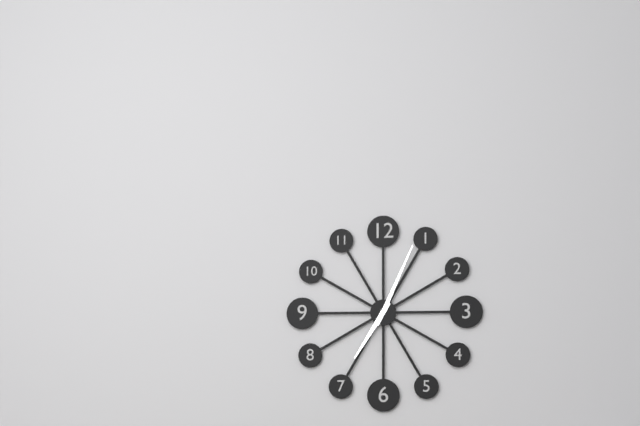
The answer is 7h04
